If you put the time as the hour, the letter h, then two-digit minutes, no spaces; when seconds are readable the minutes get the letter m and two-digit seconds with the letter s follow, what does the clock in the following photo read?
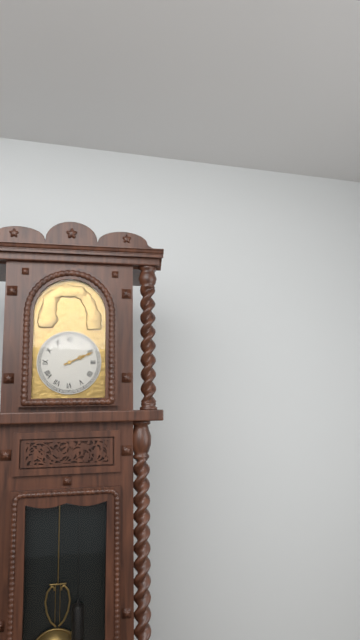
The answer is 2h11
